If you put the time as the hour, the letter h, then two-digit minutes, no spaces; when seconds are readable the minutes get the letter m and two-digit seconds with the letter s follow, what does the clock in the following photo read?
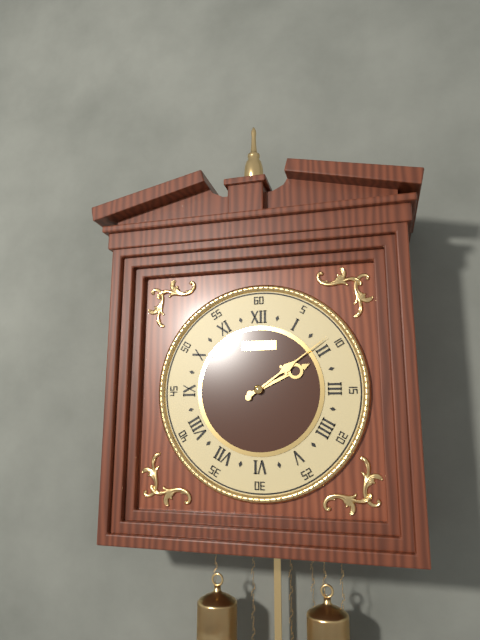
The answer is 2h09
